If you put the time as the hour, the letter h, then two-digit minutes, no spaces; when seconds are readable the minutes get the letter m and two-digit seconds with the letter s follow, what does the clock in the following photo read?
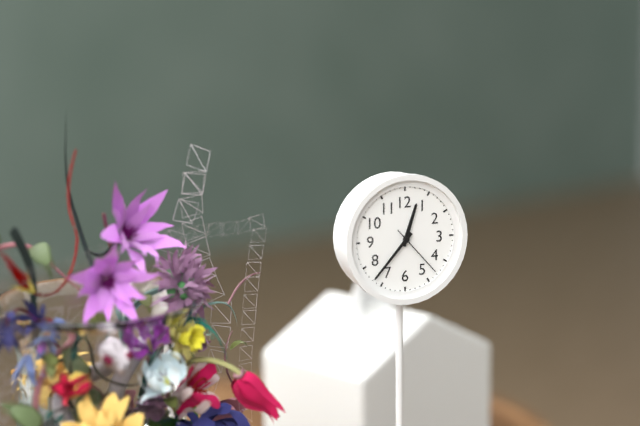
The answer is 12h37m23s
